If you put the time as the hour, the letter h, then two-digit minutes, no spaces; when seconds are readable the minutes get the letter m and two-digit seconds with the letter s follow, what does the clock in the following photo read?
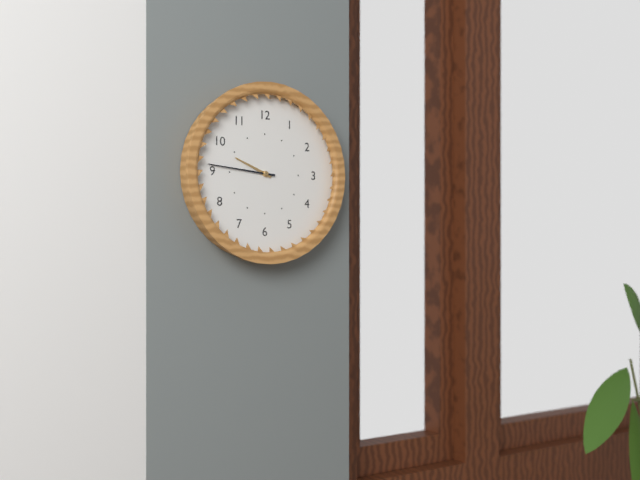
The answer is 9h46
